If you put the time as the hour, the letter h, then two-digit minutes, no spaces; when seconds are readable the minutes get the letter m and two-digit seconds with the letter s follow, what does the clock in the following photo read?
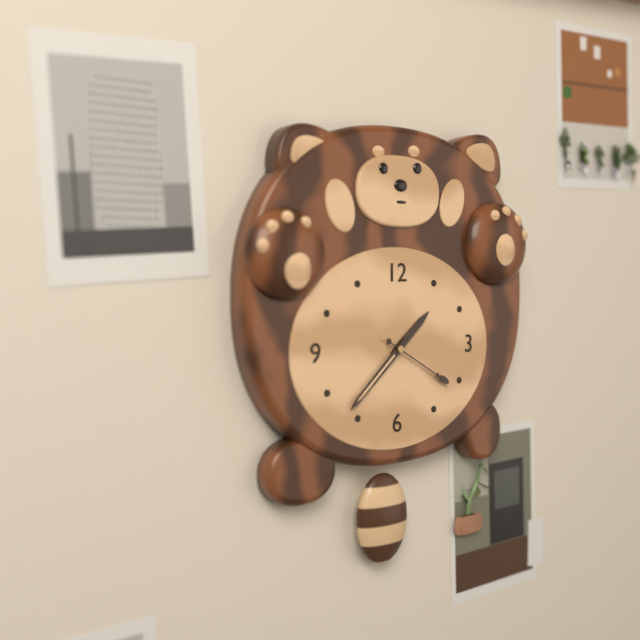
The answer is 1h38m20s
